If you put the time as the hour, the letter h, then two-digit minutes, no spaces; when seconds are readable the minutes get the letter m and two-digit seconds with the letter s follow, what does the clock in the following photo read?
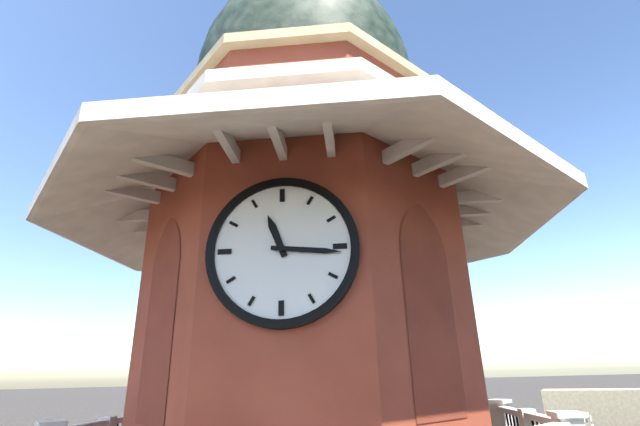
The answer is 11h16
